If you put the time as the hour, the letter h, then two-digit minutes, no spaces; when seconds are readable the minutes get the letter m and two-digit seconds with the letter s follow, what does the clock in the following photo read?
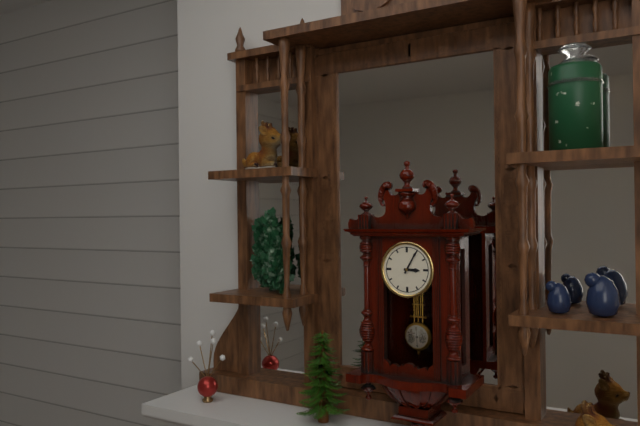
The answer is 3h05
